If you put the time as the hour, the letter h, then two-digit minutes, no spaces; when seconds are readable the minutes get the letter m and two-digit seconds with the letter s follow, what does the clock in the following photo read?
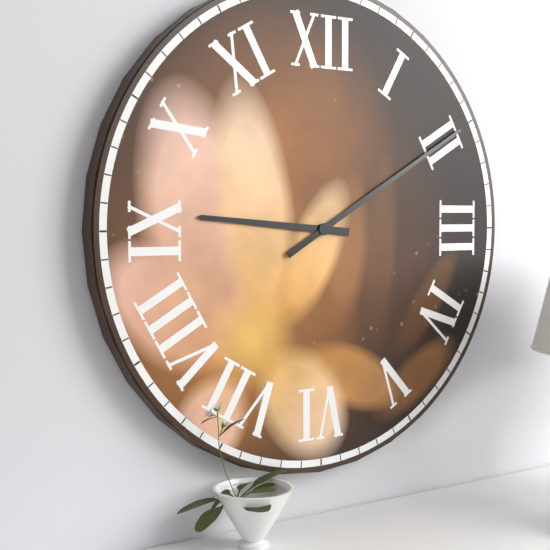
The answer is 9h10
